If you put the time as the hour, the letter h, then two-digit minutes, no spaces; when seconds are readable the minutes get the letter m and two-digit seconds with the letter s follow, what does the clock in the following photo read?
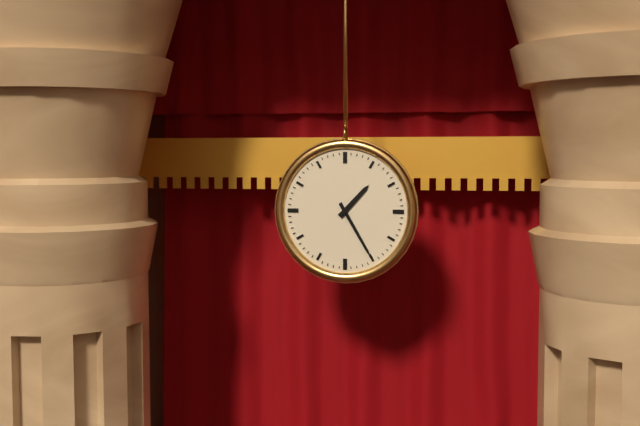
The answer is 1h25
